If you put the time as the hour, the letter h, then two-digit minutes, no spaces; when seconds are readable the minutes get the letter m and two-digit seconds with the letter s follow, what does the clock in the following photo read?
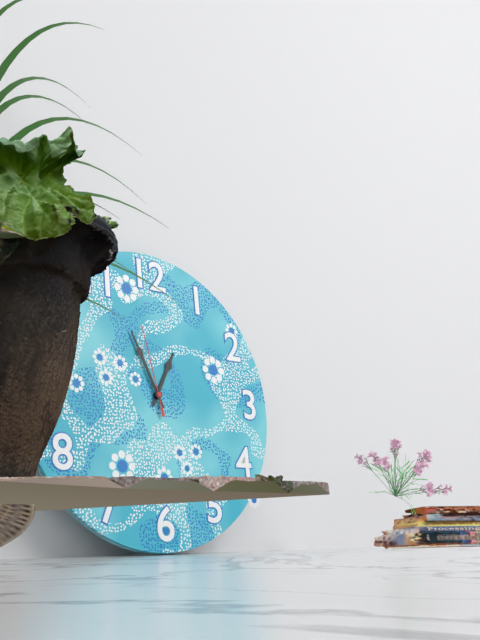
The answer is 12h56m58s
